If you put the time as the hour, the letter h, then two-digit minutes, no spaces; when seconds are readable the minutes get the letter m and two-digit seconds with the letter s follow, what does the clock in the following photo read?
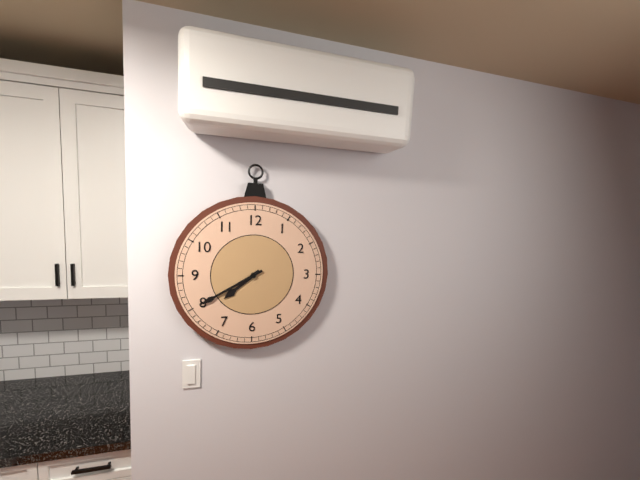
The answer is 7h40
